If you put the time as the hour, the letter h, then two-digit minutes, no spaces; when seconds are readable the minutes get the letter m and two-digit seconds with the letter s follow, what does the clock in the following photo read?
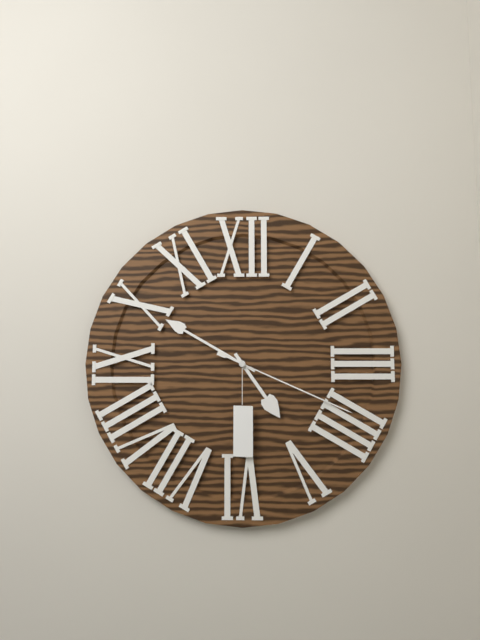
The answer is 4h50m19s
